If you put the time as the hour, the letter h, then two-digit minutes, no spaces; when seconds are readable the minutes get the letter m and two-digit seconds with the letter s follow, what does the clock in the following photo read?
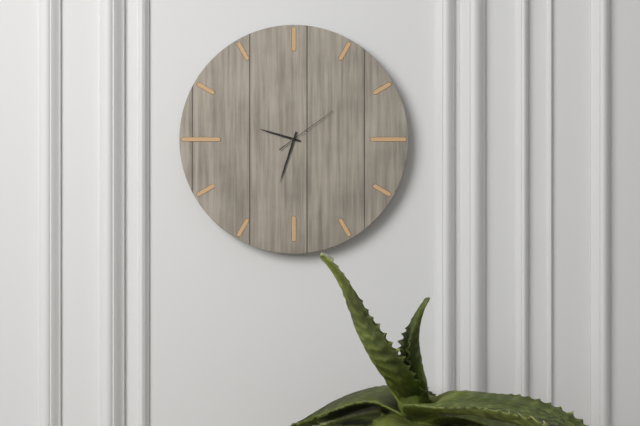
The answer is 9h33m09s
